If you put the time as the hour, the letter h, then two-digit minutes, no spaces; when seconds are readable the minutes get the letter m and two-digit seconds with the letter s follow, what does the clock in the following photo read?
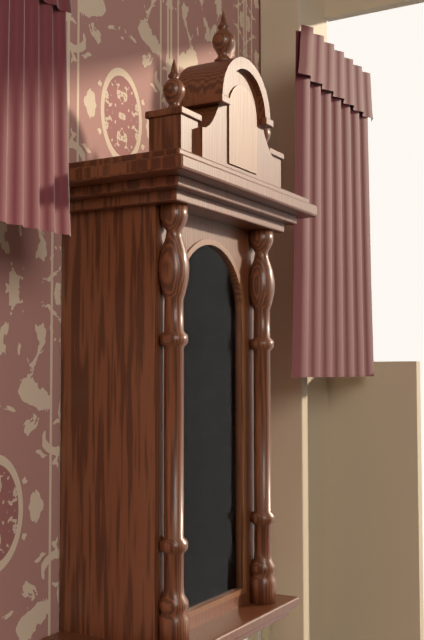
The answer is 4h16
